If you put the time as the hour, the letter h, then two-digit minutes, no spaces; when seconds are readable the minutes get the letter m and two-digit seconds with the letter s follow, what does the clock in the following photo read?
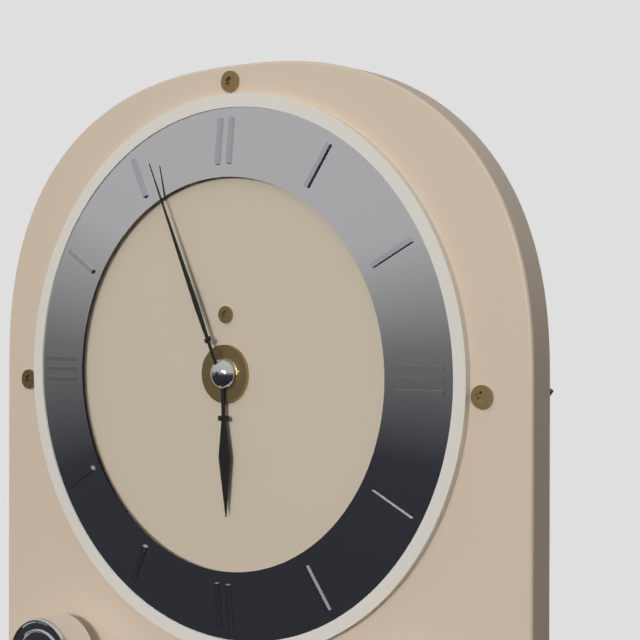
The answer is 5h56
